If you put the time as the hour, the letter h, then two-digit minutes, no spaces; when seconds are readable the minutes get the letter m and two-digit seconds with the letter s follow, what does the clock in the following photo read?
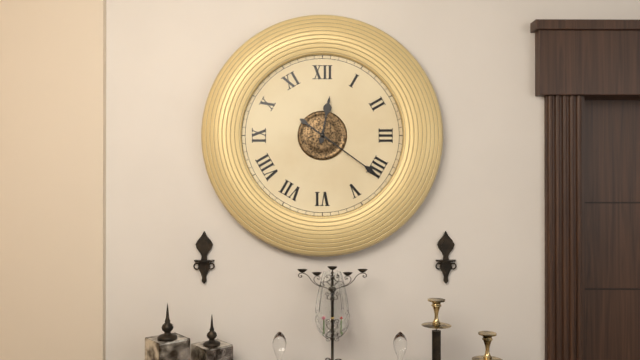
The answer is 12h21
